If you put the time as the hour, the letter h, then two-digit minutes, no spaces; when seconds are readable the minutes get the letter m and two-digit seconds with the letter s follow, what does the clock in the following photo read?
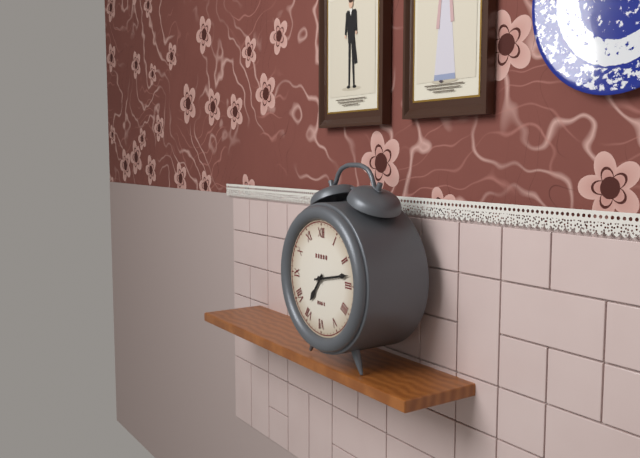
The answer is 7h13
